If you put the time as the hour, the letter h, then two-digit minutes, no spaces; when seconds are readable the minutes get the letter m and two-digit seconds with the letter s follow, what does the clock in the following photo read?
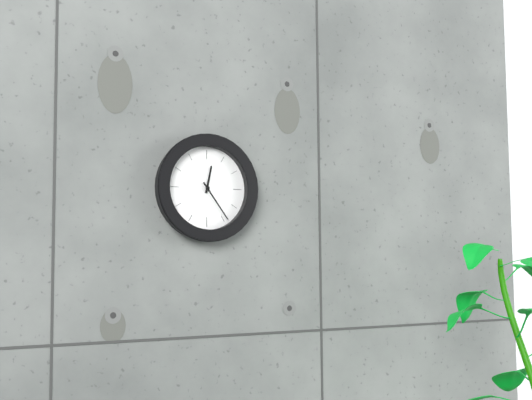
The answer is 12h24
